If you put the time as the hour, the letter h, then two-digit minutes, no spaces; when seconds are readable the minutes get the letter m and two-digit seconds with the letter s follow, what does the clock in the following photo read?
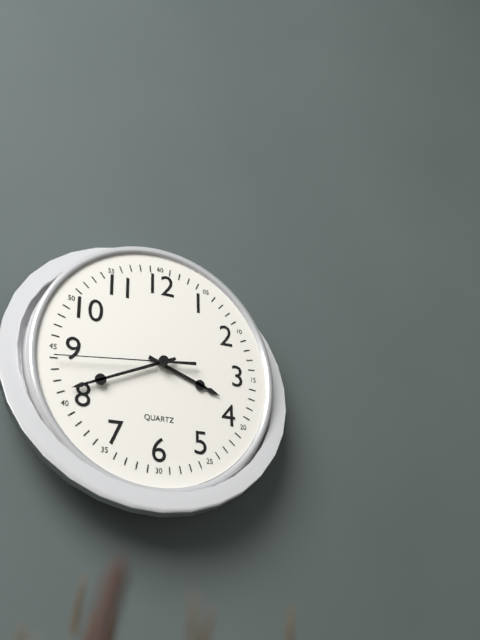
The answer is 3h41m44s
